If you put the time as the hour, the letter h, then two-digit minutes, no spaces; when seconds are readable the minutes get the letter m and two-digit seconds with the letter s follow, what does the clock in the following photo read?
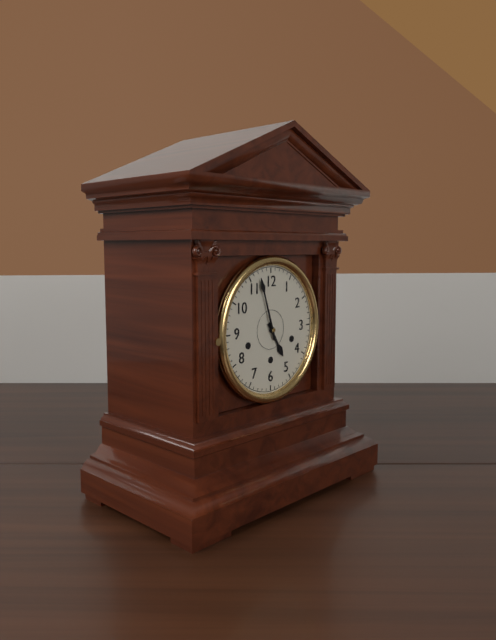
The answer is 4h57
